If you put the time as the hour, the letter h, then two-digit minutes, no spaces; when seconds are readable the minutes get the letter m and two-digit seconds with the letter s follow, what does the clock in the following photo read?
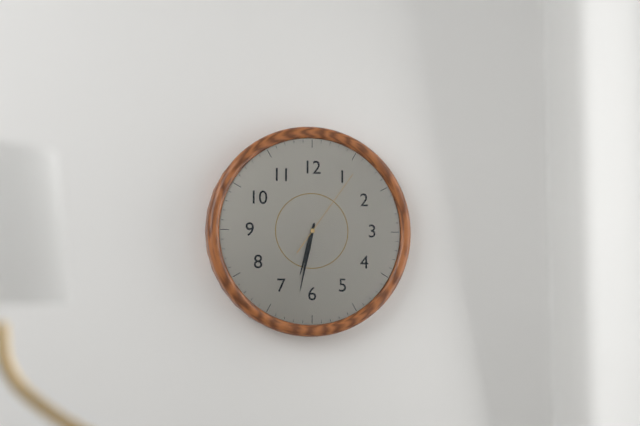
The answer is 6h32m06s
